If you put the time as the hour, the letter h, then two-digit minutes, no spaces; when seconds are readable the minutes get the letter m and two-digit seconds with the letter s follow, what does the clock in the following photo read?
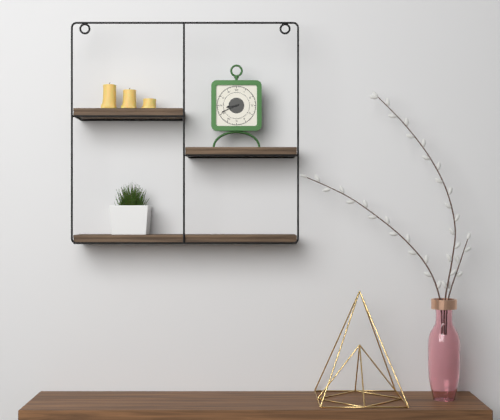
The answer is 8h41
